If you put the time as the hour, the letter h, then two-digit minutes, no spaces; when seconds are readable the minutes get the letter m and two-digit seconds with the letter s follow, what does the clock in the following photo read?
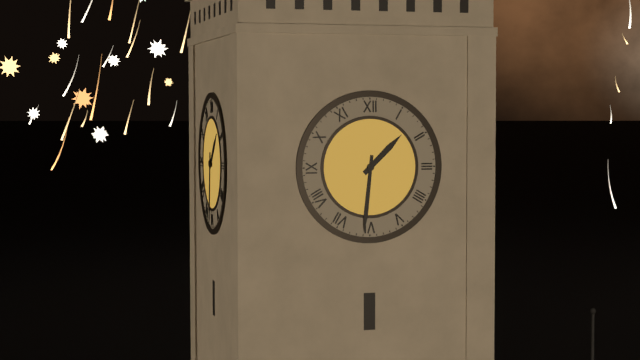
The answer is 1h31
